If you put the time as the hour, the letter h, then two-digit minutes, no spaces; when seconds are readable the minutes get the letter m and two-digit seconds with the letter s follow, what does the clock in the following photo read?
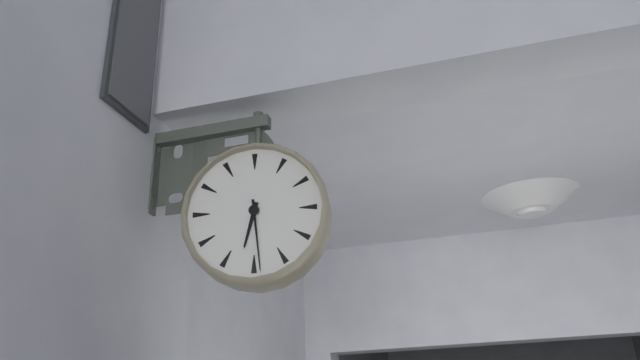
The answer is 6h29
